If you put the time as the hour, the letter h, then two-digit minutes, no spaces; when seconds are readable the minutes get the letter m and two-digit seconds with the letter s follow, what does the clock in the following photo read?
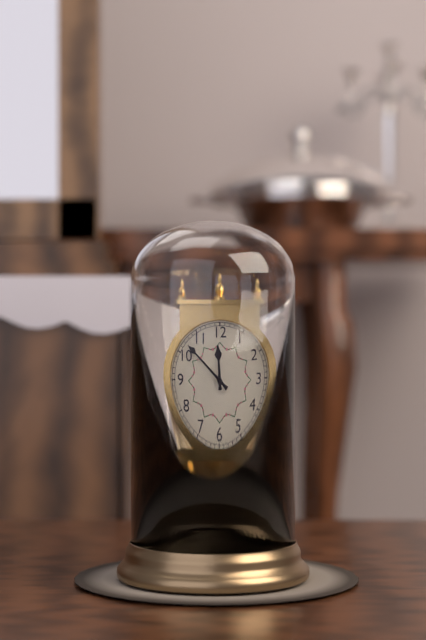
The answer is 11h52
